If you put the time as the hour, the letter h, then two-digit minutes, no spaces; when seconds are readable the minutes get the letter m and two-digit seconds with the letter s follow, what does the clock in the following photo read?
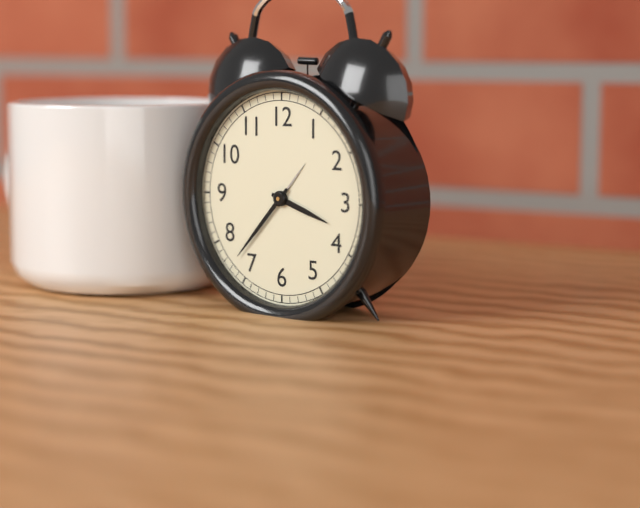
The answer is 3h37
